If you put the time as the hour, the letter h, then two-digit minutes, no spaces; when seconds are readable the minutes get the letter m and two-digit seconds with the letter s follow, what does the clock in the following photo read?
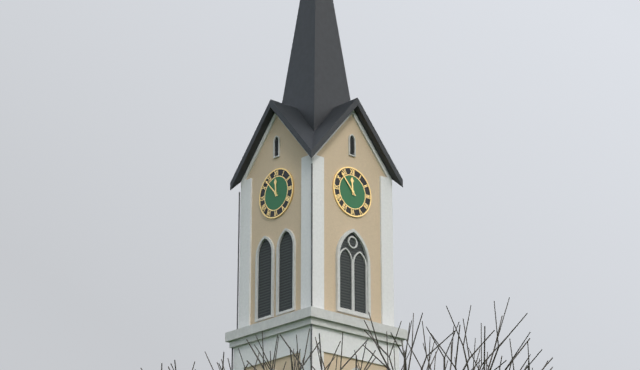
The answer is 11h53
